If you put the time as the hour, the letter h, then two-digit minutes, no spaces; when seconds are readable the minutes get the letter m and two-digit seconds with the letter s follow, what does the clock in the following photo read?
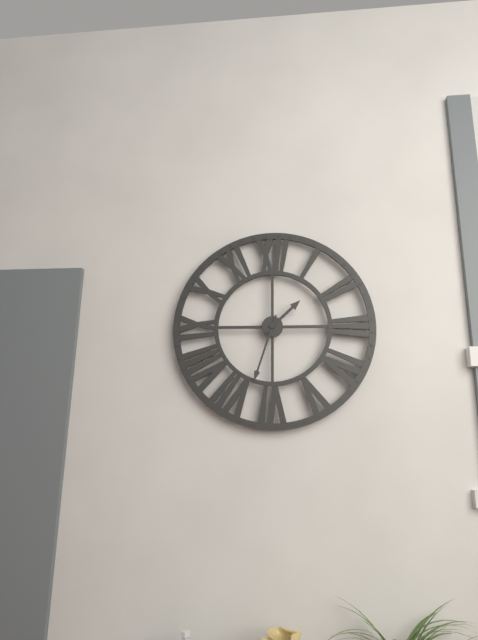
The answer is 1h33
